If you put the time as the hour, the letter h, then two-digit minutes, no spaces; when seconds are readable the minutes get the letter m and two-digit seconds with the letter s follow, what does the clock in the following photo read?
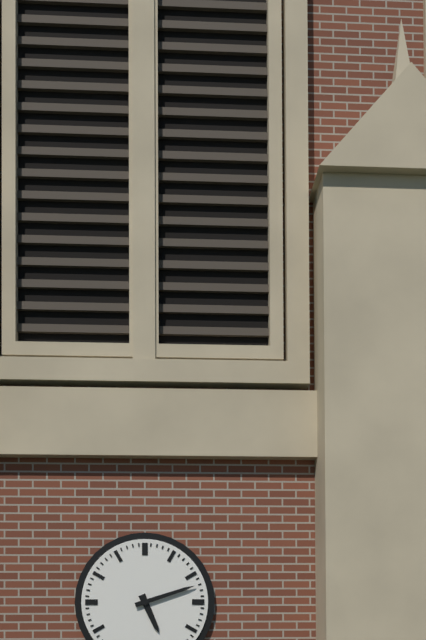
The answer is 5h12
